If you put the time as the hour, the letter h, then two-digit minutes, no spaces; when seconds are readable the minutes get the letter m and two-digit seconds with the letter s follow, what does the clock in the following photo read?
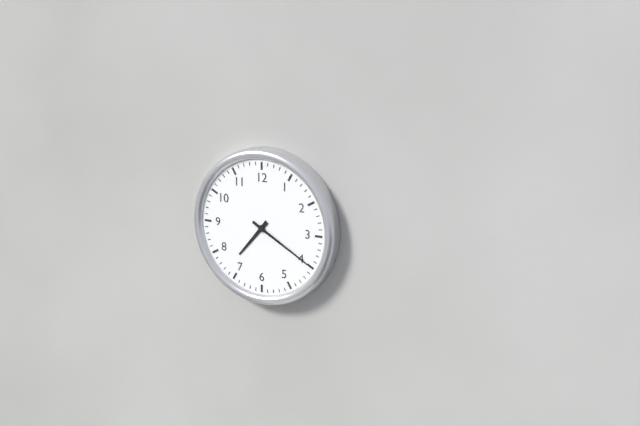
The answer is 7h20
